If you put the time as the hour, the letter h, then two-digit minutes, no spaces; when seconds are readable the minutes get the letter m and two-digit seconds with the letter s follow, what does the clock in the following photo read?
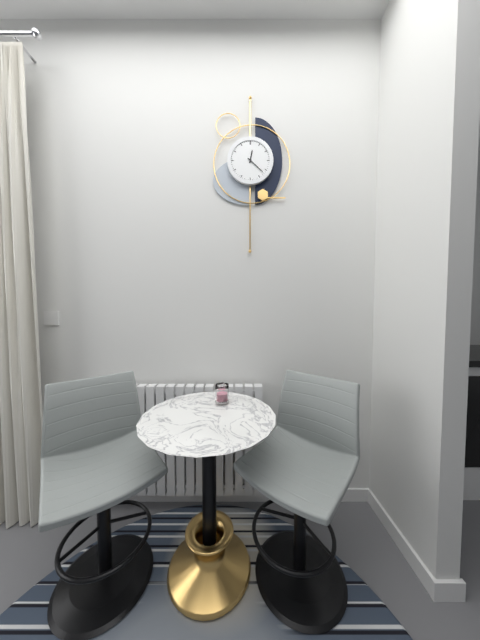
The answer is 12h22
